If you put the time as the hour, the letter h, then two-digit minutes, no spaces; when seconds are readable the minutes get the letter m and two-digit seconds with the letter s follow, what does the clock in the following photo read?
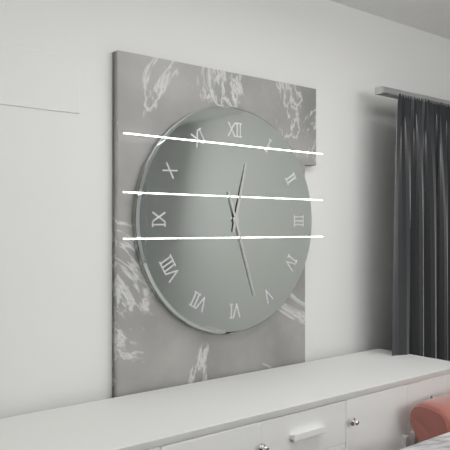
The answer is 12h27
